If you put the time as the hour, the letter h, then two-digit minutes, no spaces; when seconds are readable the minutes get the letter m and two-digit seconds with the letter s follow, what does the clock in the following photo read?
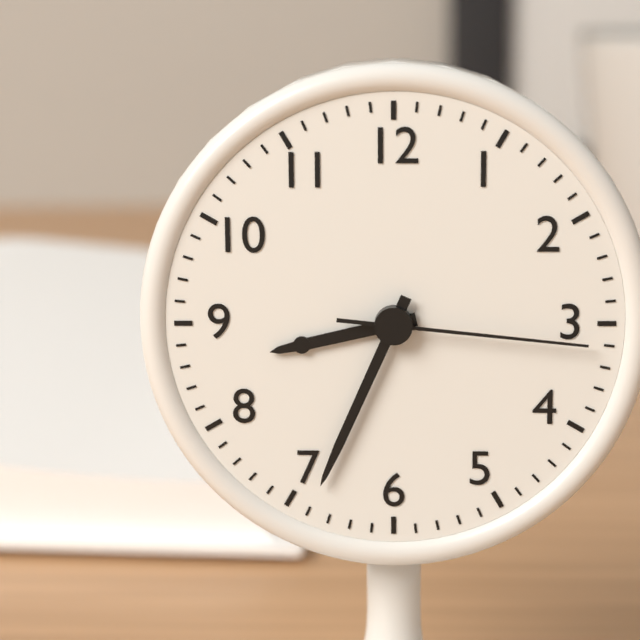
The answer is 8h34m16s
